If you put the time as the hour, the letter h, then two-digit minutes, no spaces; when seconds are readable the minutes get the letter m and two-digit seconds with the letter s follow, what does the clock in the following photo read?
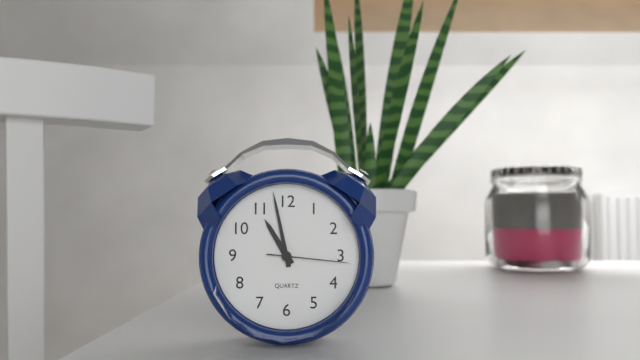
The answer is 10h58m16s
